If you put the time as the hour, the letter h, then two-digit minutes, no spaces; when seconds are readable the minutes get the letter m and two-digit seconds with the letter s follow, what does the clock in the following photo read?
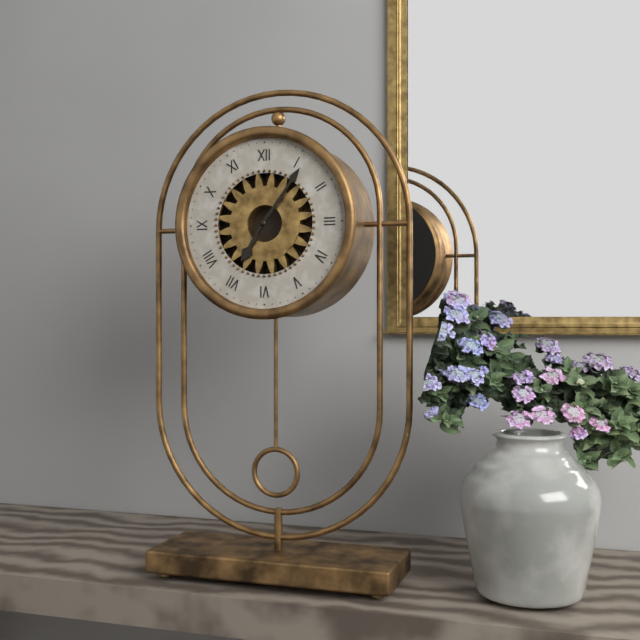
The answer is 7h06
